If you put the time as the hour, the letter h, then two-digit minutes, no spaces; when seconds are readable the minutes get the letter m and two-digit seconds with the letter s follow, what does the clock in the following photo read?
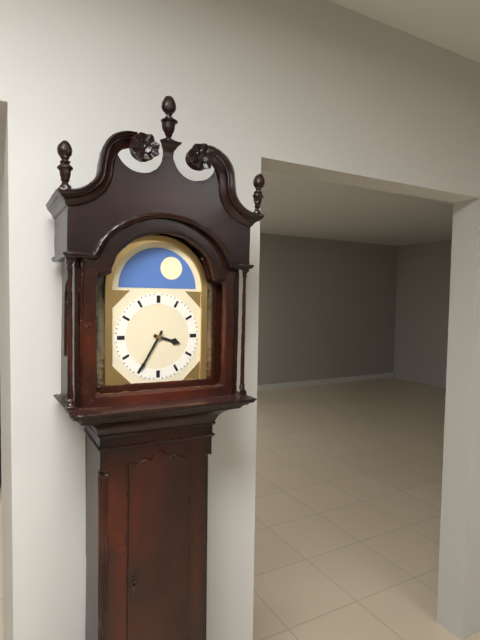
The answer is 3h35
